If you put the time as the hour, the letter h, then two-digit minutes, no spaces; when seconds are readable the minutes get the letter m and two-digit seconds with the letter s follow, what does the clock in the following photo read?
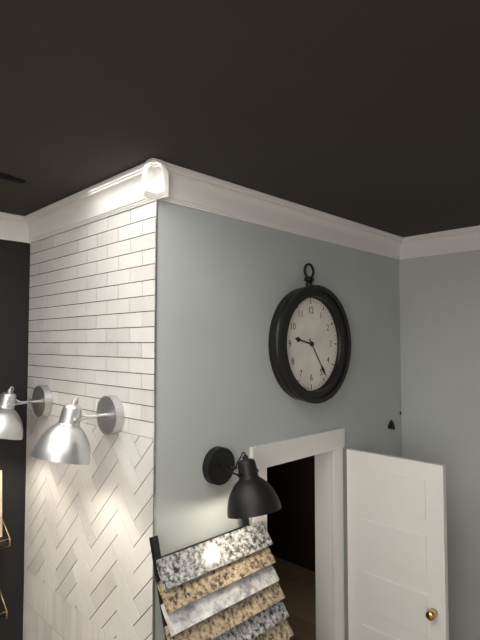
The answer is 9h24
